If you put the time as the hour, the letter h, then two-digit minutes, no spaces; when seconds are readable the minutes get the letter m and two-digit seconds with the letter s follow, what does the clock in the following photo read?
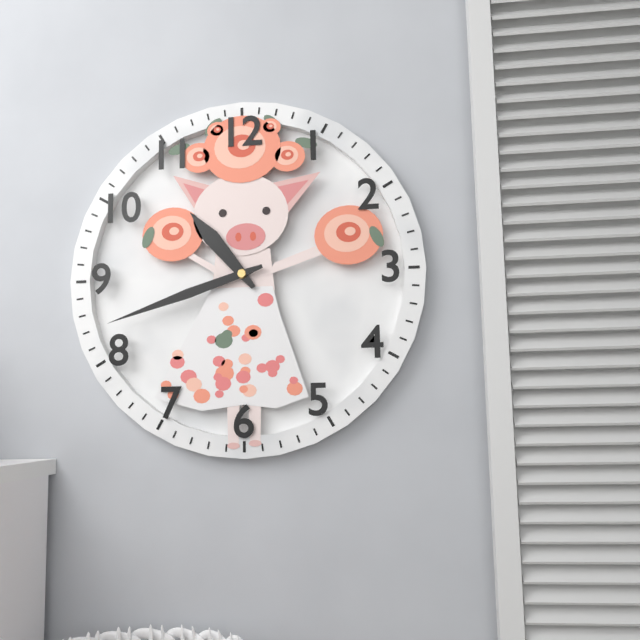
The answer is 10h42
